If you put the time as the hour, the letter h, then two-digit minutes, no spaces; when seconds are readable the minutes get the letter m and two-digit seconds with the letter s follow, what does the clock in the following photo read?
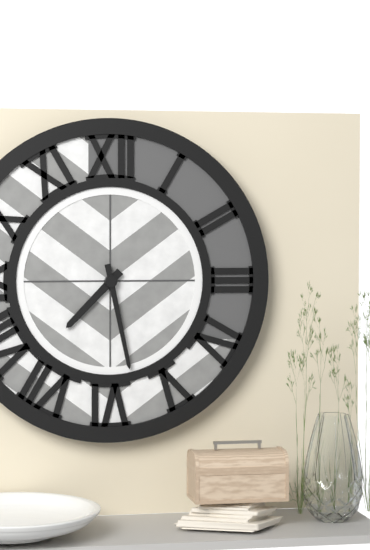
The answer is 7h28
